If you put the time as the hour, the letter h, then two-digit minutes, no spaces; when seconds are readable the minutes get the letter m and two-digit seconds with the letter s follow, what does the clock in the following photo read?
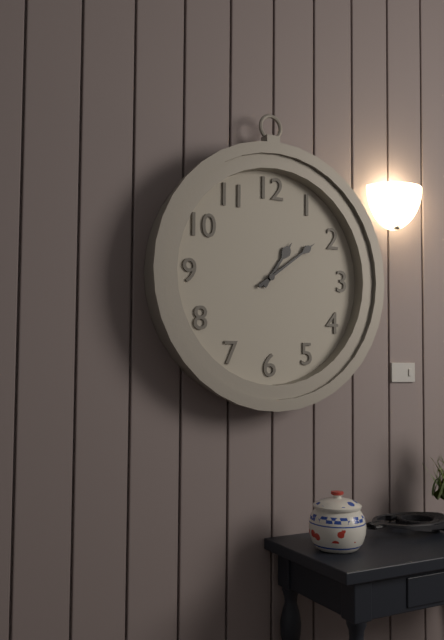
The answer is 1h09
